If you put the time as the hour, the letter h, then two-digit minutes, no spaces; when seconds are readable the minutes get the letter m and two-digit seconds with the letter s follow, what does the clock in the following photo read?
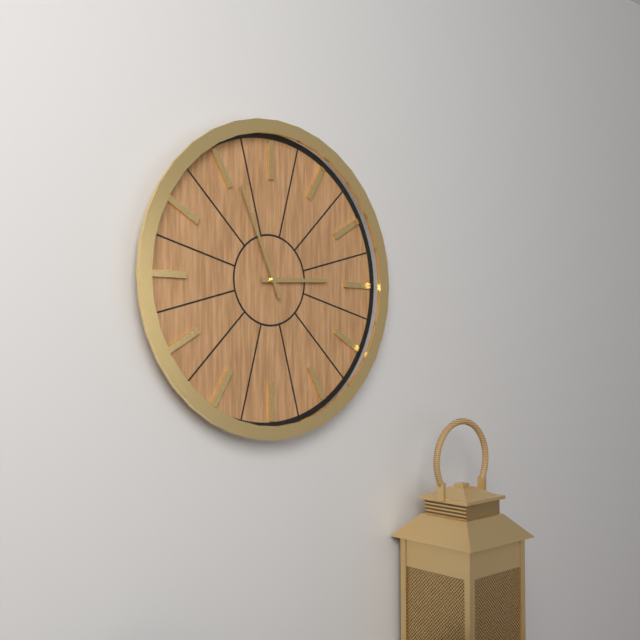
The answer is 2h56
